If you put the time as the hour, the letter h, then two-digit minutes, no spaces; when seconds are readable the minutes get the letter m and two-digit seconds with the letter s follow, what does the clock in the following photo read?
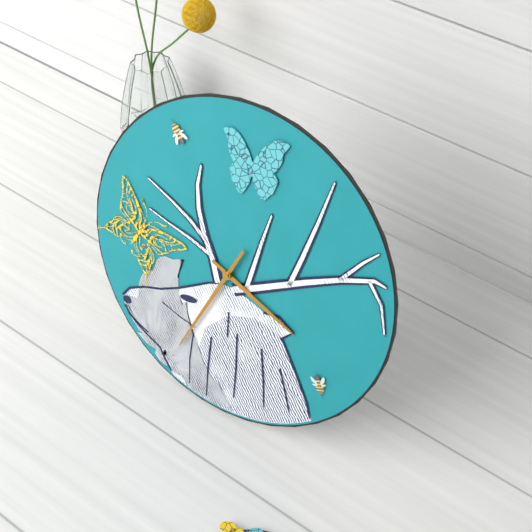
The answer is 3h33
